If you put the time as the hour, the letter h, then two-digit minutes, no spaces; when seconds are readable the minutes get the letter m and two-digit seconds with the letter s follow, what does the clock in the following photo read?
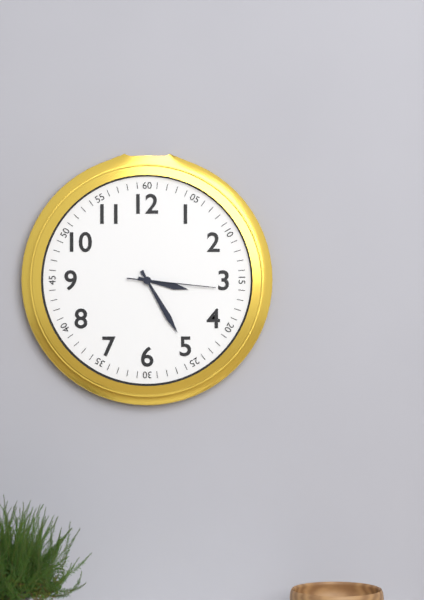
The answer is 3h25m16s
